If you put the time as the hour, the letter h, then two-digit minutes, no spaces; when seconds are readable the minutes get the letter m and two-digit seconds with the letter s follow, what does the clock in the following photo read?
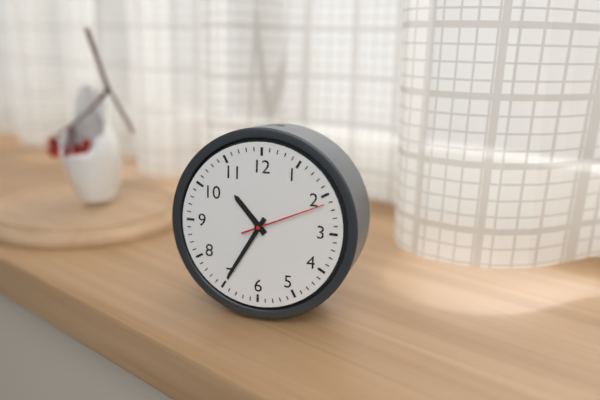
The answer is 10h35m11s
